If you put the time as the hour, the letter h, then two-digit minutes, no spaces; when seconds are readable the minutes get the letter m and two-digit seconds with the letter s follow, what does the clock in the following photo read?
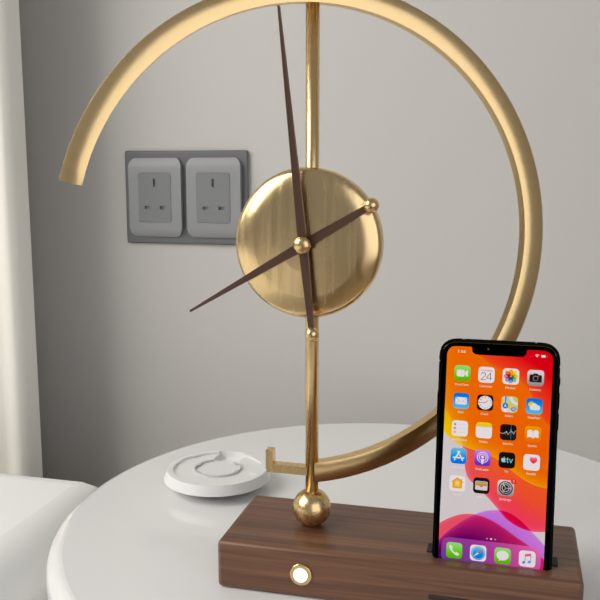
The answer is 7h59
